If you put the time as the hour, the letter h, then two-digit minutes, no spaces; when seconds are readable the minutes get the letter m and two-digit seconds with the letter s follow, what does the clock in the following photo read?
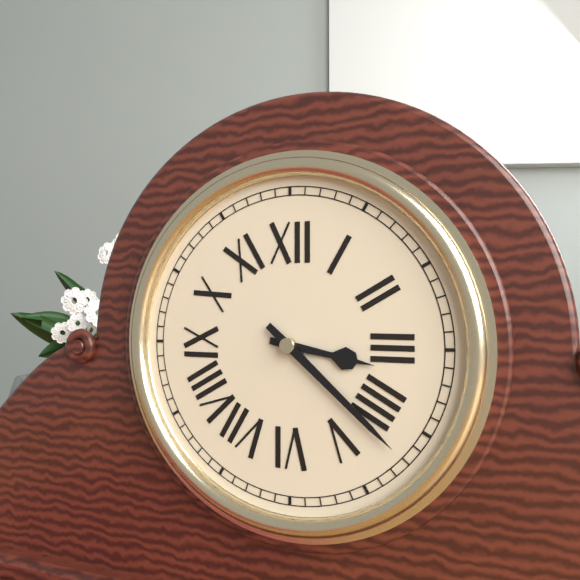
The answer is 3h22
